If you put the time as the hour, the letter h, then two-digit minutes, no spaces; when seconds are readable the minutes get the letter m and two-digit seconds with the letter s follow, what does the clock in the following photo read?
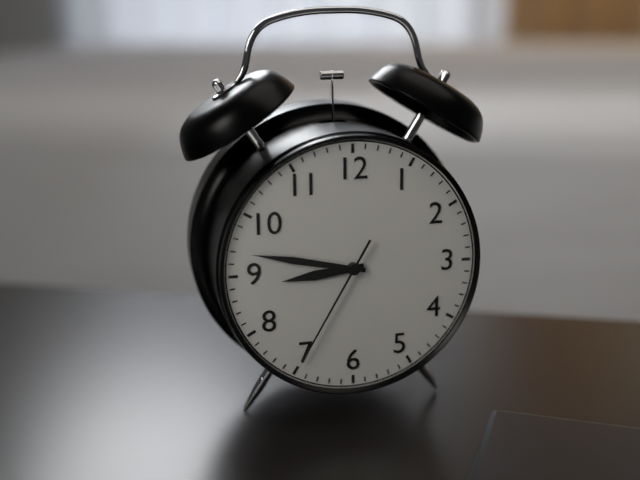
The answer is 8h47m35s
